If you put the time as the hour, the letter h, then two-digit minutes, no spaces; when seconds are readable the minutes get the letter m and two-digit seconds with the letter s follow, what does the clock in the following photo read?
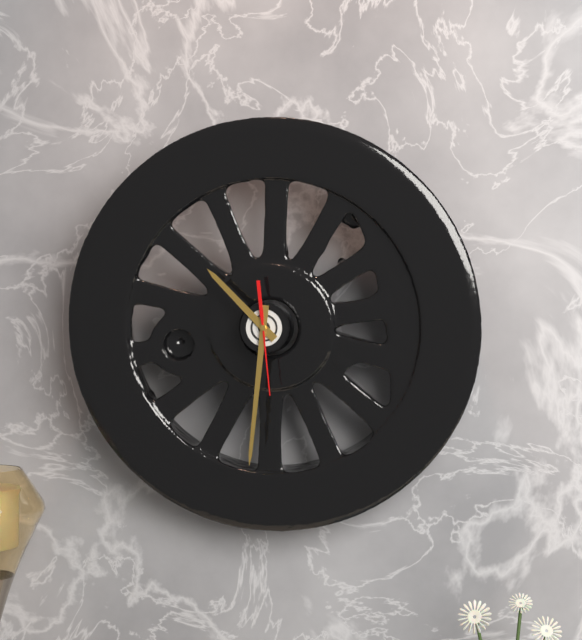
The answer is 10h31m29s
